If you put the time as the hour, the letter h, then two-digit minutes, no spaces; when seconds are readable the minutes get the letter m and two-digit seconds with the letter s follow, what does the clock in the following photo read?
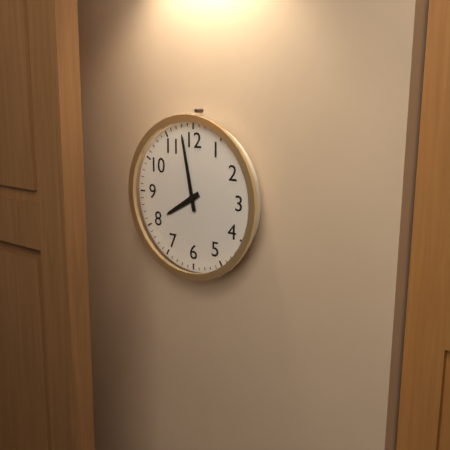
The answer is 7h58
